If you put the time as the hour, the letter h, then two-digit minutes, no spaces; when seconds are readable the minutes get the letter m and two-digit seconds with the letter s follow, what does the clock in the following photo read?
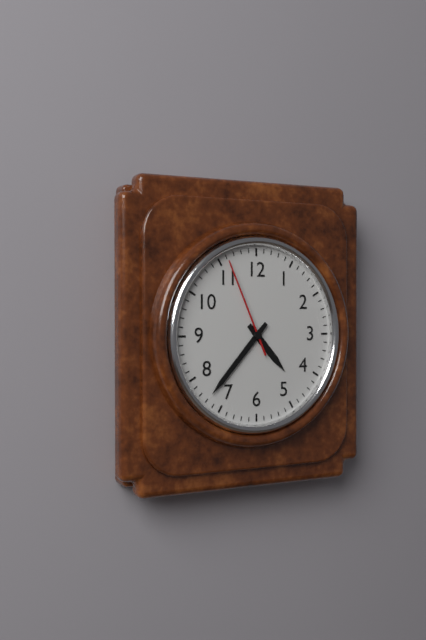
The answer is 4h37m56s
